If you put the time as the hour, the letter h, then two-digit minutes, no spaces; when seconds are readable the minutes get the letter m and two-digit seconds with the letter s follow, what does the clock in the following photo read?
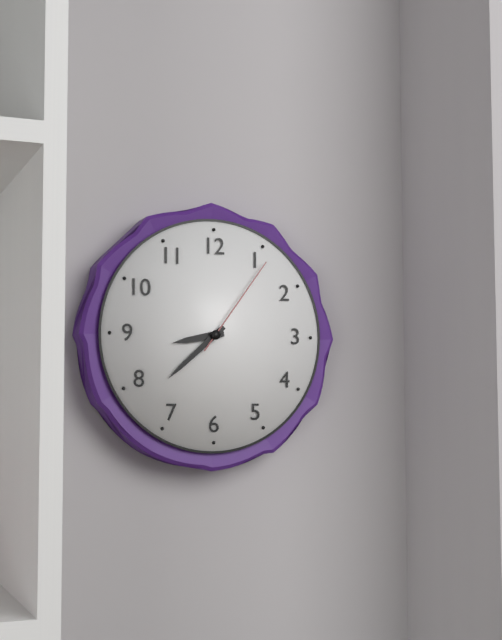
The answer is 8h38m06s
